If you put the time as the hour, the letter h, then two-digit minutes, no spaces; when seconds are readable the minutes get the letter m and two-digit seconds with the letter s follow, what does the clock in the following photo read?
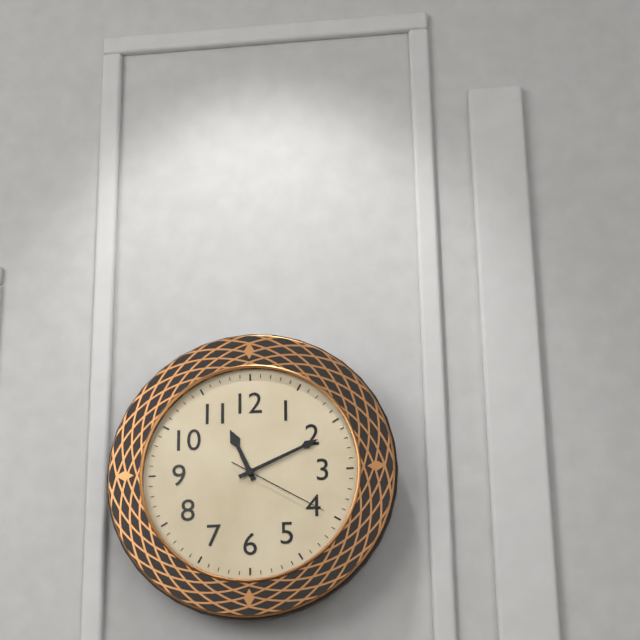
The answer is 11h11m20s
